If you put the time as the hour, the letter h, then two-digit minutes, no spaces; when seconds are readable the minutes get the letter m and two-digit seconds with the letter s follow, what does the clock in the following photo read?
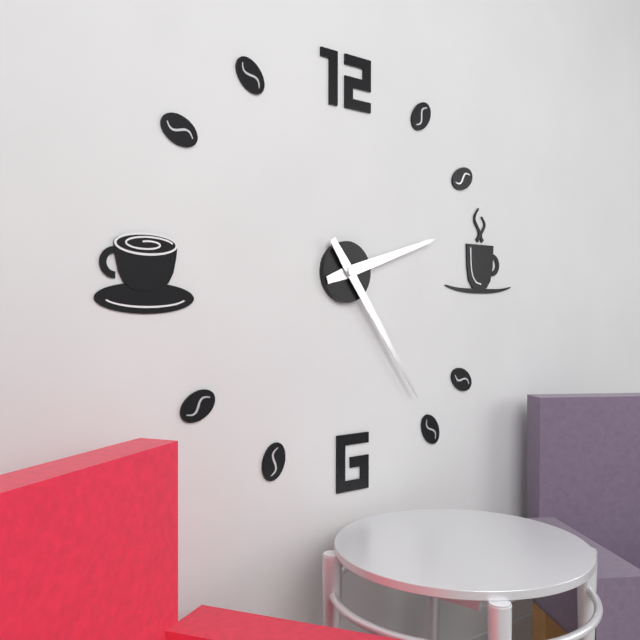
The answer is 2h24
